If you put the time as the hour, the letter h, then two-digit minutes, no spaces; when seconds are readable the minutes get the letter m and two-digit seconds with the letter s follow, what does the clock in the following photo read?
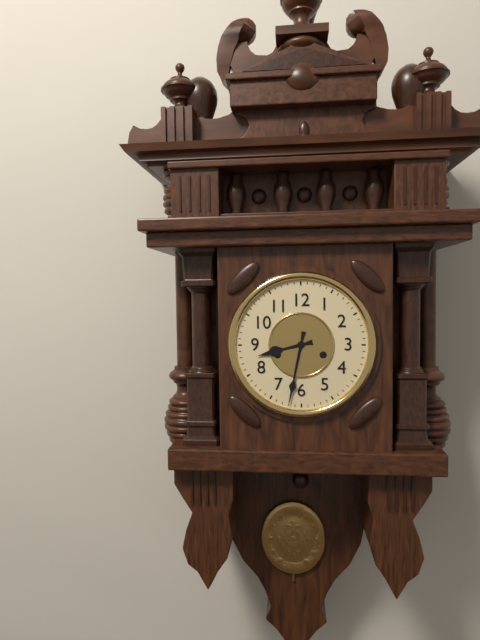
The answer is 8h32
